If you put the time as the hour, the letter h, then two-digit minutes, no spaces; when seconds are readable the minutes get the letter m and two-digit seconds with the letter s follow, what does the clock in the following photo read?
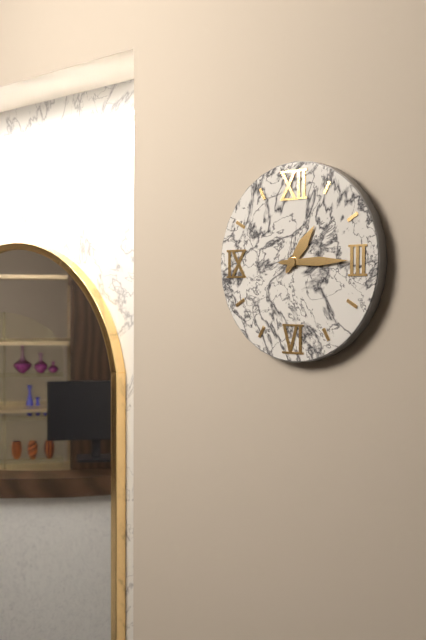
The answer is 1h15
